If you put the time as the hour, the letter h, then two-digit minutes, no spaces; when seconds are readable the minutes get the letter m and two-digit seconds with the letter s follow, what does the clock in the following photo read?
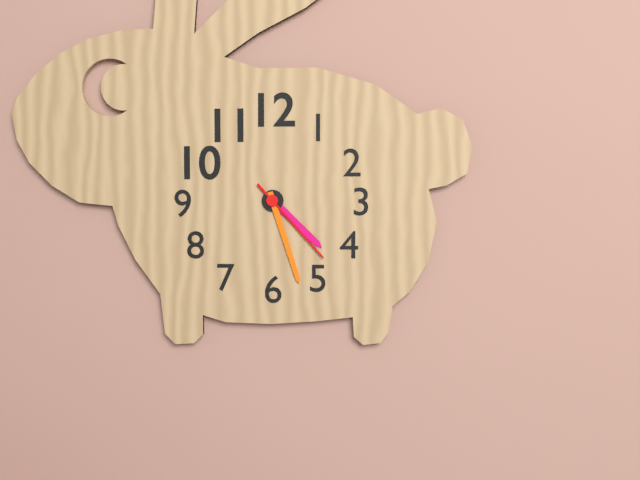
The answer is 4h27m23s
